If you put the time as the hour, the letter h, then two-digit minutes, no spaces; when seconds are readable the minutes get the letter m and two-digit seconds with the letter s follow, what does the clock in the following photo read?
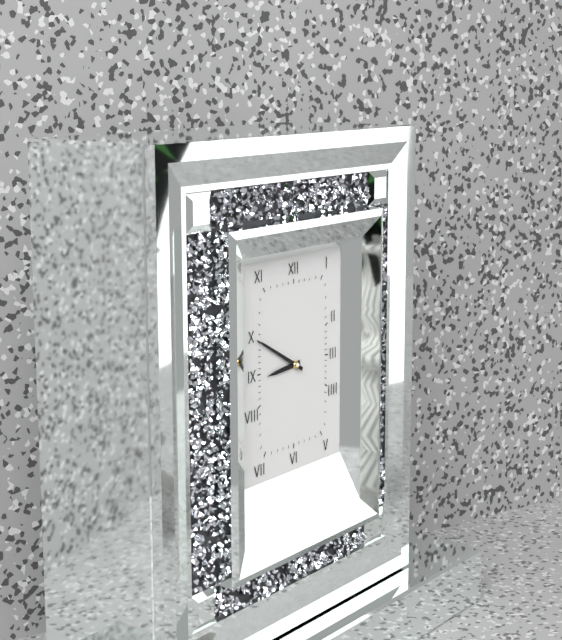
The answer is 8h50
